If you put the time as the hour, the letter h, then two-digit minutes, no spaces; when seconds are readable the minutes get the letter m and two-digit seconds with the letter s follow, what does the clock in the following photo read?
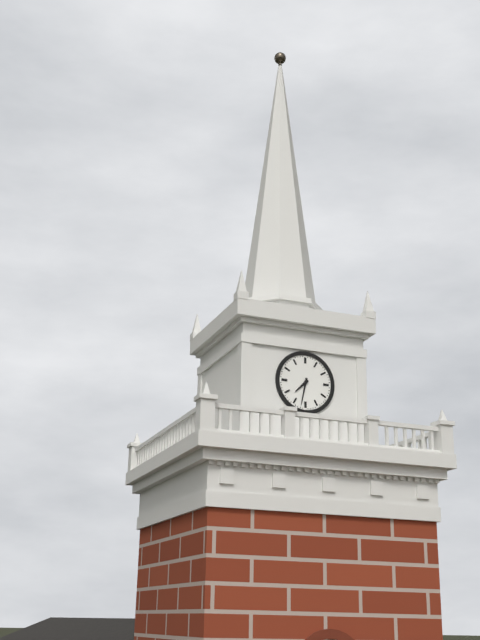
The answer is 7h32
